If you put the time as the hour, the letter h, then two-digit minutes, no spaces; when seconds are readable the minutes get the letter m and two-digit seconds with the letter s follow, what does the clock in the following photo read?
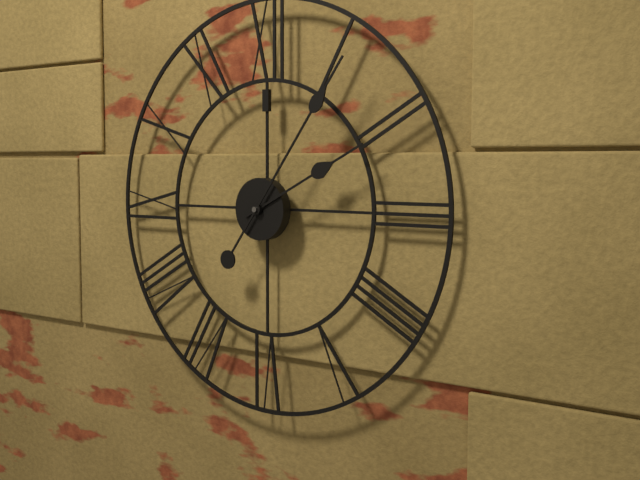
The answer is 2h06
